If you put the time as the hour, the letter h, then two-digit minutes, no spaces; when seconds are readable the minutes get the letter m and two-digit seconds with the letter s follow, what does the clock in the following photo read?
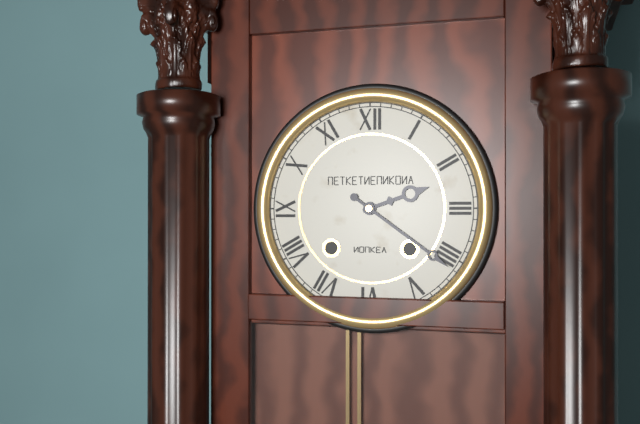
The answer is 2h21
